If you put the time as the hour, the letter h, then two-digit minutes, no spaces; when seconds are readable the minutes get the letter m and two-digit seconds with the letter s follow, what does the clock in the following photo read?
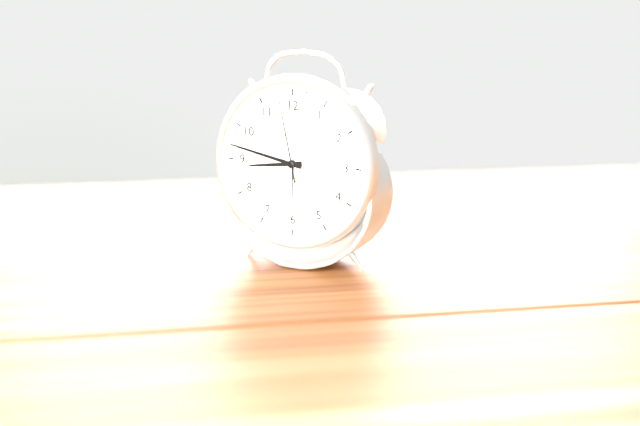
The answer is 8h47m58s
